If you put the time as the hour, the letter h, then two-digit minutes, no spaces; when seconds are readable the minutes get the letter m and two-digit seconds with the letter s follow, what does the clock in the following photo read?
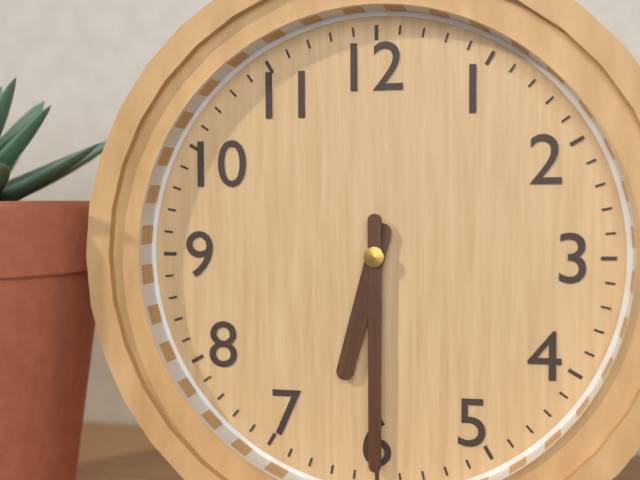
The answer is 6h30
